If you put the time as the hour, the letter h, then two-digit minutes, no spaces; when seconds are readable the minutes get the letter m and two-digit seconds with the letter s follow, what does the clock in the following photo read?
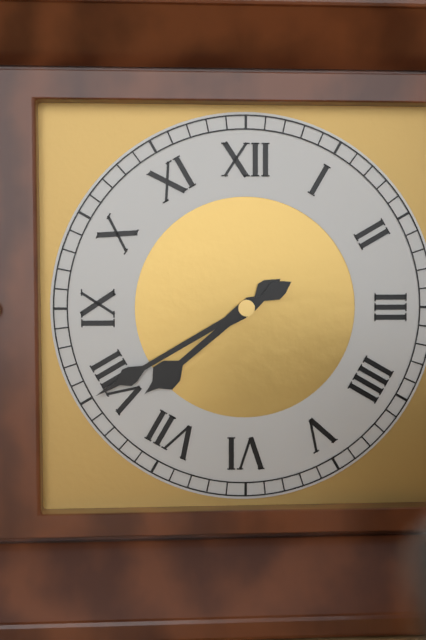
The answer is 7h40
